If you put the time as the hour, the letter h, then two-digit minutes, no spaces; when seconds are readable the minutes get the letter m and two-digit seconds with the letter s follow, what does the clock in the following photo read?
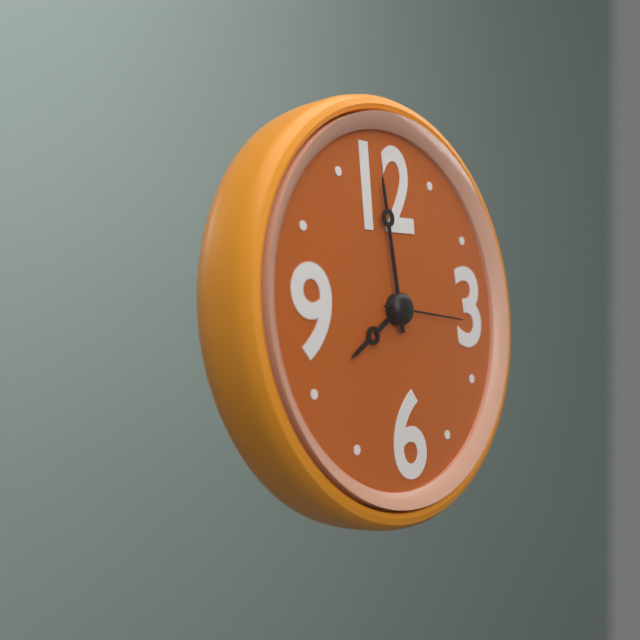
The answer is 7h59m16s
